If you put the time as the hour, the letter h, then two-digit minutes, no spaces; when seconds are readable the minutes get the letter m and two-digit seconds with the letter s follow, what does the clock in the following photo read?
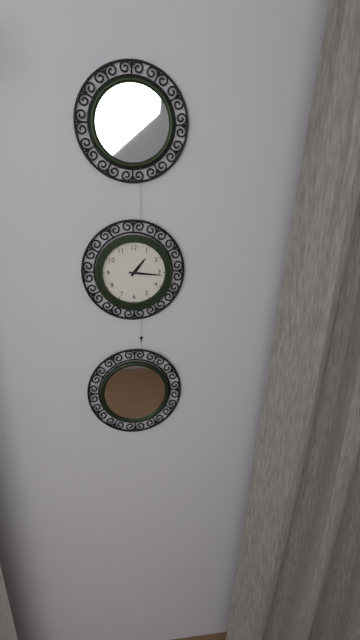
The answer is 1h16
